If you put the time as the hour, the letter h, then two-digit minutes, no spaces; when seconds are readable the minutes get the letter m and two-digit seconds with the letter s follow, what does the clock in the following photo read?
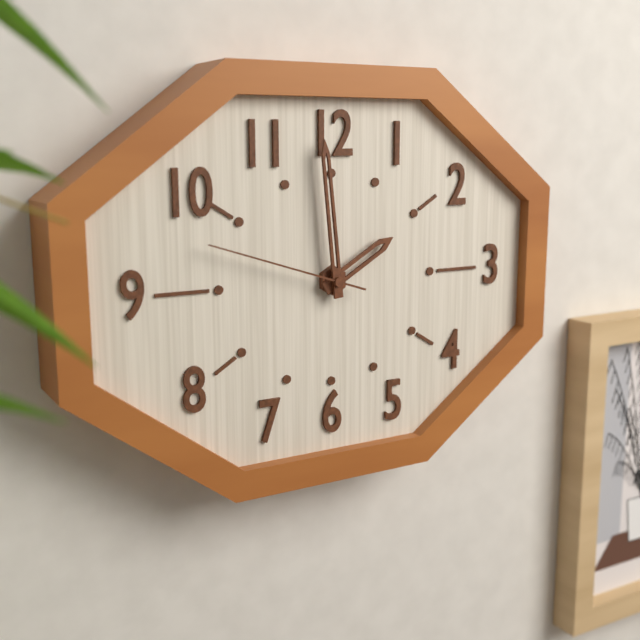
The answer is 1h59m48s
